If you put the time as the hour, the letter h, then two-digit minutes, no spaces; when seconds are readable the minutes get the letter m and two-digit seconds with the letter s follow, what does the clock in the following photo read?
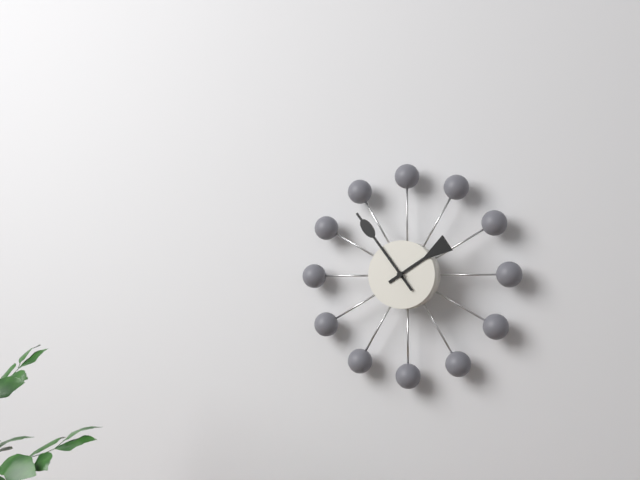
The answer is 1h54
